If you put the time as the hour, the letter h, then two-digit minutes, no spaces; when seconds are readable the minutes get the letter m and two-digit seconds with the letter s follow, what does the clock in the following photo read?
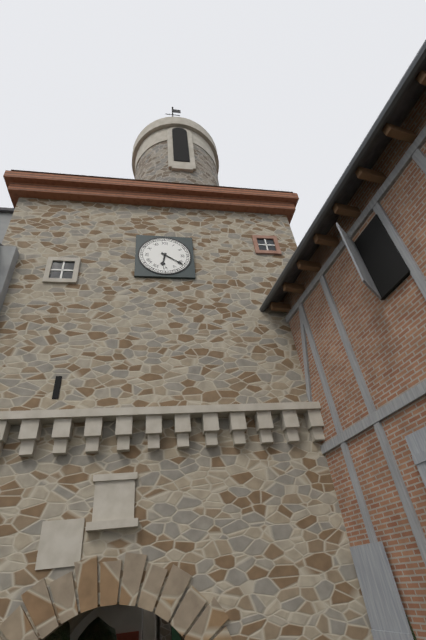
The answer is 6h21
